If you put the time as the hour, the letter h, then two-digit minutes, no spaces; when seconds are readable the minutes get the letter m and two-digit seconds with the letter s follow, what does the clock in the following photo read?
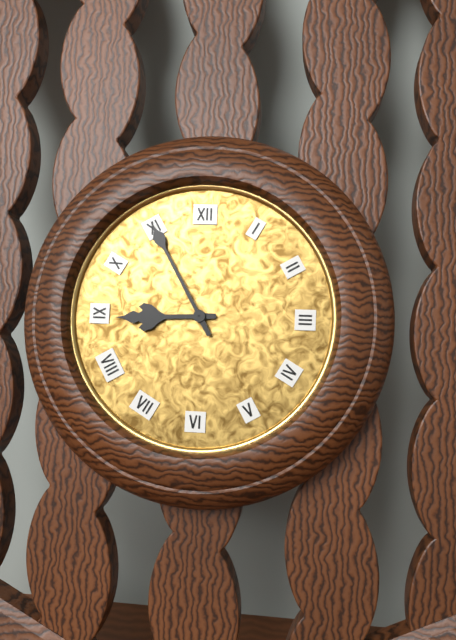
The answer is 8h55
